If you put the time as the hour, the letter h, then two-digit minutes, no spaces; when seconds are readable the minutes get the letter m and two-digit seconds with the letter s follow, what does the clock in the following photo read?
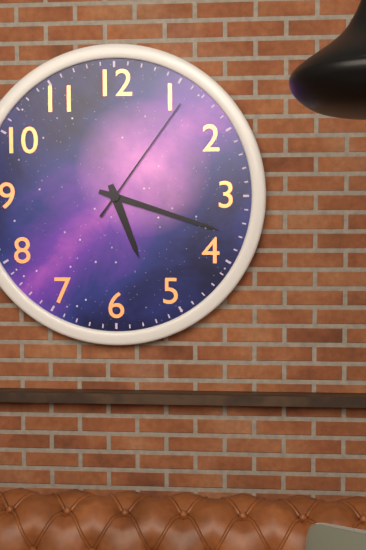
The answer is 5h18m06s
